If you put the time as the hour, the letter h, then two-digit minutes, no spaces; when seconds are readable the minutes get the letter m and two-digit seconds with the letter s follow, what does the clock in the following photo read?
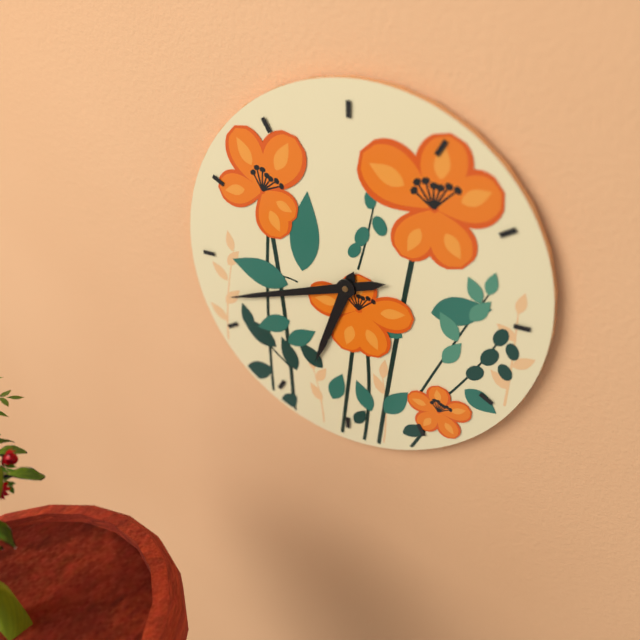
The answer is 6h42
